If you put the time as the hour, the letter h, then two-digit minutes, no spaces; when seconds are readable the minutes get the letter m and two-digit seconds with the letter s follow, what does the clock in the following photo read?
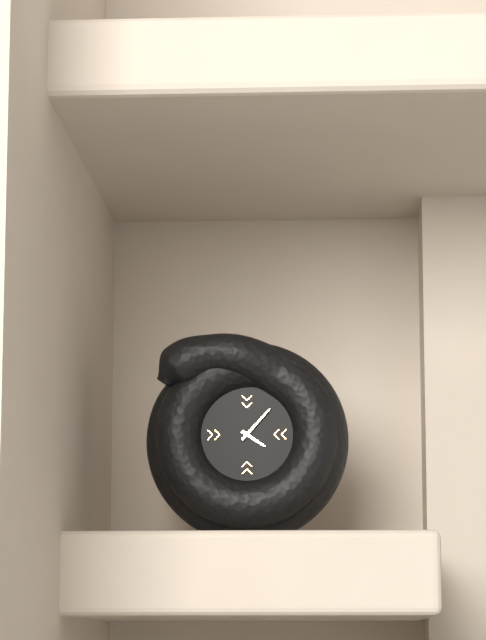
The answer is 4h07
